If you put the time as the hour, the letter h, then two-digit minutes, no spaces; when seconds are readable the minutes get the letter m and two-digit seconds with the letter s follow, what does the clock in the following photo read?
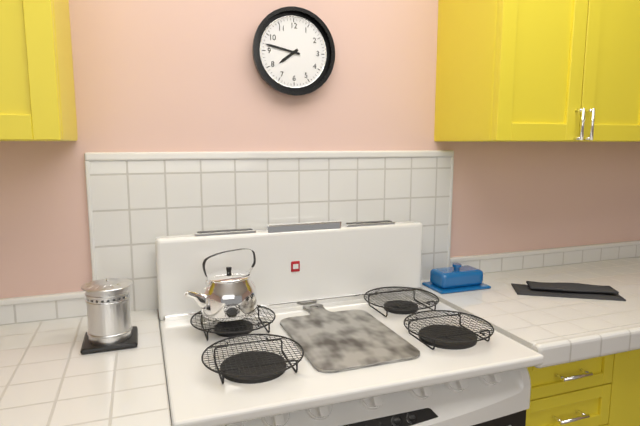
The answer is 7h47
